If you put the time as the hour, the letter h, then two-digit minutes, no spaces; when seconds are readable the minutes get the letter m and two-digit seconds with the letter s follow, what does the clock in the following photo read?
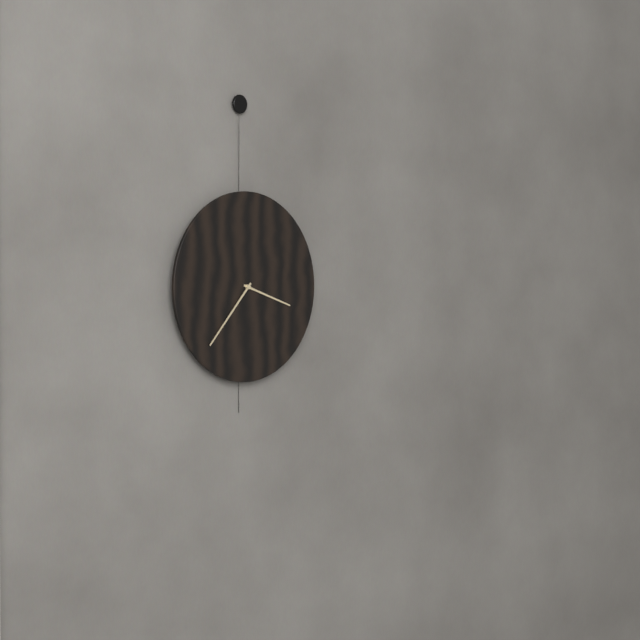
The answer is 3h37
